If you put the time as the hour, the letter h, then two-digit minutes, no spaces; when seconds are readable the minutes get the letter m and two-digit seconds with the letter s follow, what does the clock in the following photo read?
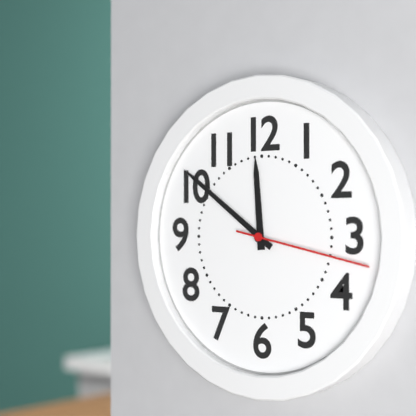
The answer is 11h51m17s
